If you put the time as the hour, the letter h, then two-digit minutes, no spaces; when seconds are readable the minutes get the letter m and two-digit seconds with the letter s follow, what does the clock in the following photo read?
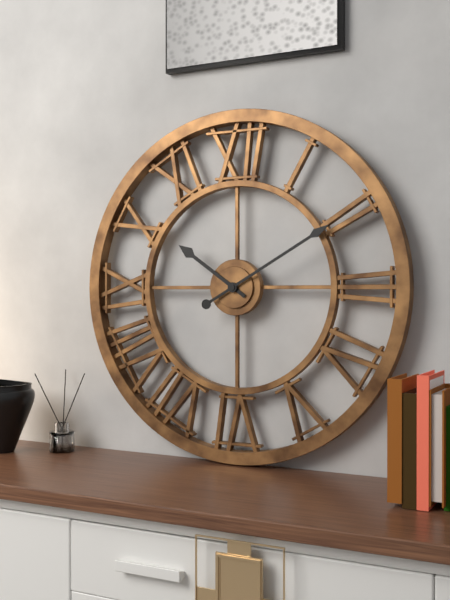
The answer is 10h10
